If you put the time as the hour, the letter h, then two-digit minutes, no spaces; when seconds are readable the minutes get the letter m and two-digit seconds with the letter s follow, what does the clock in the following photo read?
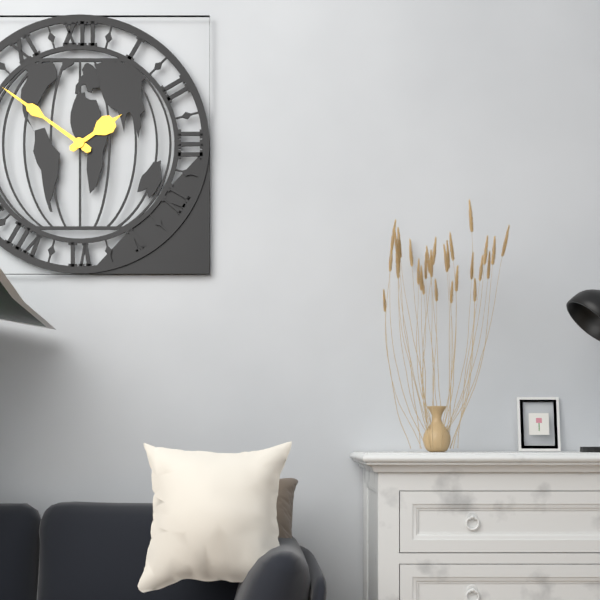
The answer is 1h51
